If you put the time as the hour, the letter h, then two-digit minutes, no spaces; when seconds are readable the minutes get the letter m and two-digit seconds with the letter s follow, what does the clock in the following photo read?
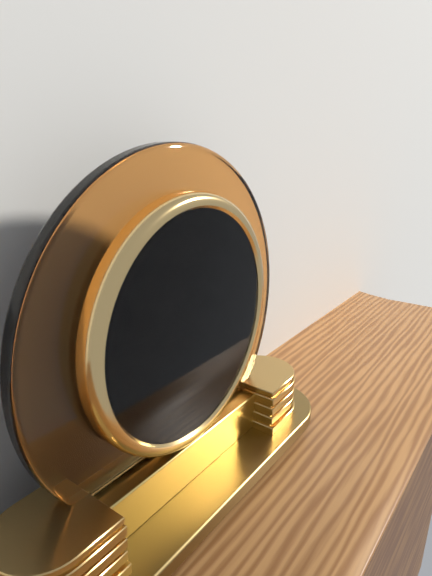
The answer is 1h02
